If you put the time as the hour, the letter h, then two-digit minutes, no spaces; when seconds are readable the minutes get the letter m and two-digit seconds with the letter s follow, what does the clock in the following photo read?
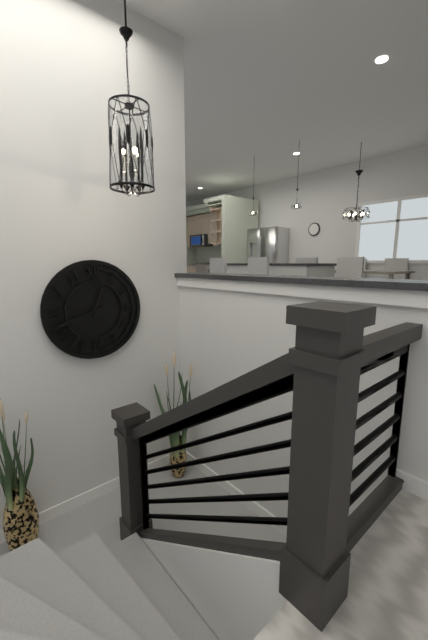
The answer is 12h42m49s
